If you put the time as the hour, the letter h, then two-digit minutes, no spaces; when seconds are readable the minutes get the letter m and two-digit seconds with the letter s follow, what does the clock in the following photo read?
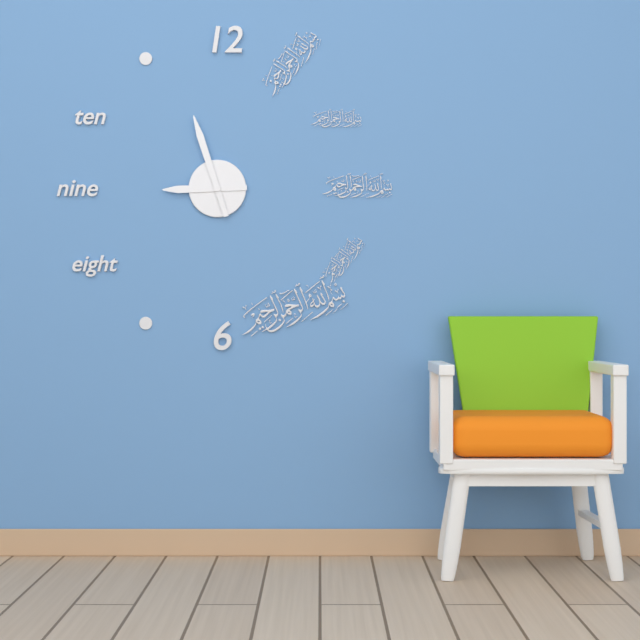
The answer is 8h57
